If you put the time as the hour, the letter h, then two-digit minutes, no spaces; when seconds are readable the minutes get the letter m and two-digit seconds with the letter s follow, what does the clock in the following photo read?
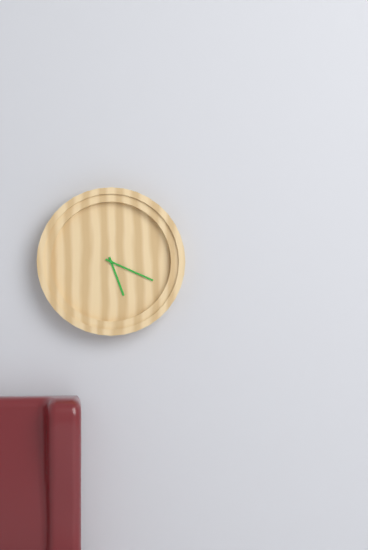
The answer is 5h19
